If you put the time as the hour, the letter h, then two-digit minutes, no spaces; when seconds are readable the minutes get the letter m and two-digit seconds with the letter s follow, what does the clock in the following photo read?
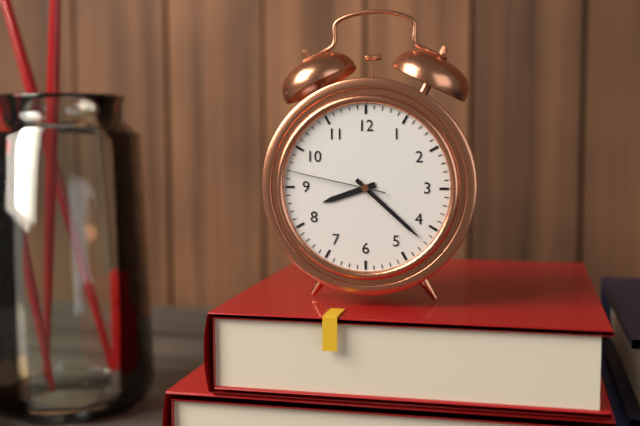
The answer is 8h22m47s
